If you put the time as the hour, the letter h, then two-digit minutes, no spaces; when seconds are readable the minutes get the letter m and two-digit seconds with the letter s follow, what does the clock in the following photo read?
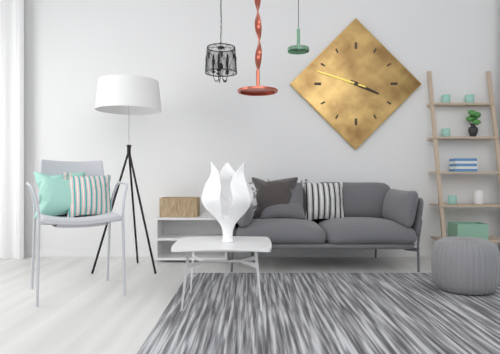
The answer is 3h48
